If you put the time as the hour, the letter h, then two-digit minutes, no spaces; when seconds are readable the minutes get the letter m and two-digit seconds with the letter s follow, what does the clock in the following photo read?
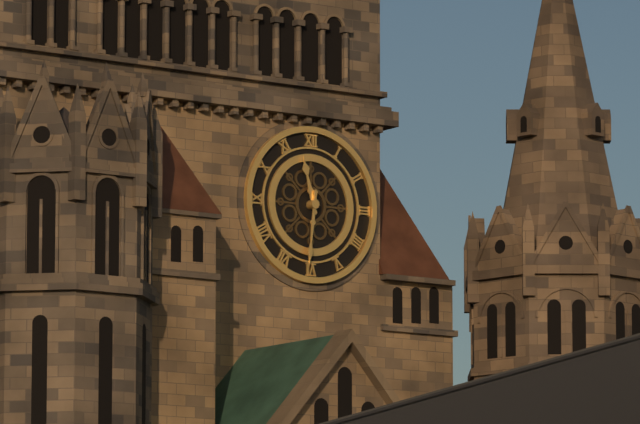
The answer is 11h31
